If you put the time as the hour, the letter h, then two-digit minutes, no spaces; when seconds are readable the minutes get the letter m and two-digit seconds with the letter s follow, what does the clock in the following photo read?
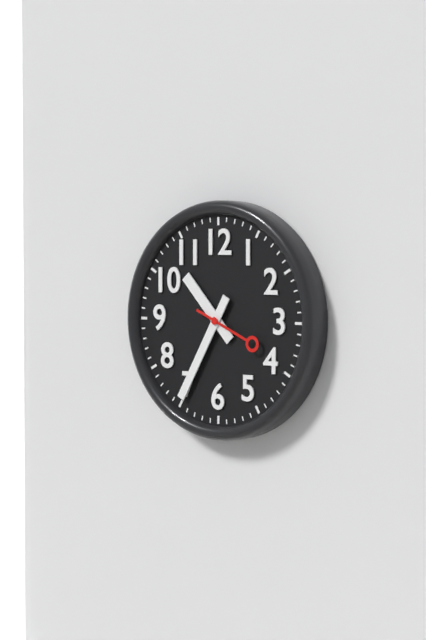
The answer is 10h35m19s
